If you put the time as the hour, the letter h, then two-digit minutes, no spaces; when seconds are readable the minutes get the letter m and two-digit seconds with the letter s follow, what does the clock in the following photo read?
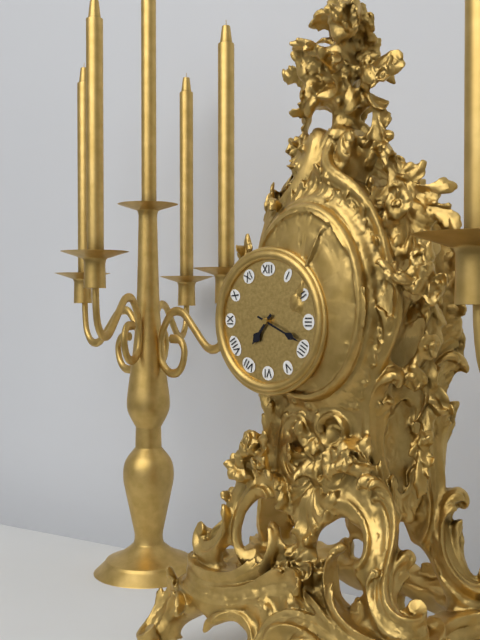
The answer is 7h19
